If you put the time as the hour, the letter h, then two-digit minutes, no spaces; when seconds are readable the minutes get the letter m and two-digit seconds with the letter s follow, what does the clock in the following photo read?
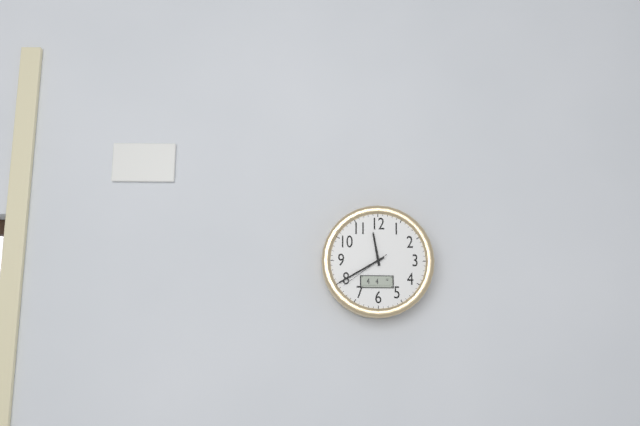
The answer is 11h40m39s
